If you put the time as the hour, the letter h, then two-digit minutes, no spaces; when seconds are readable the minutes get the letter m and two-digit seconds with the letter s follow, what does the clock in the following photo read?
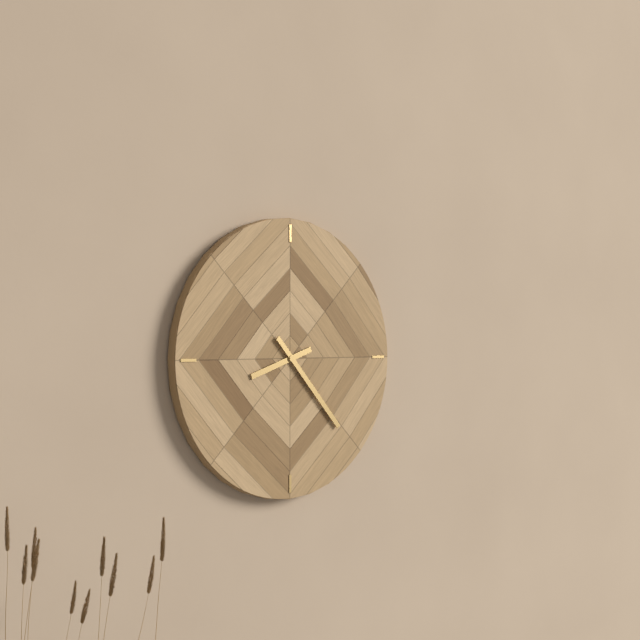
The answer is 8h23
